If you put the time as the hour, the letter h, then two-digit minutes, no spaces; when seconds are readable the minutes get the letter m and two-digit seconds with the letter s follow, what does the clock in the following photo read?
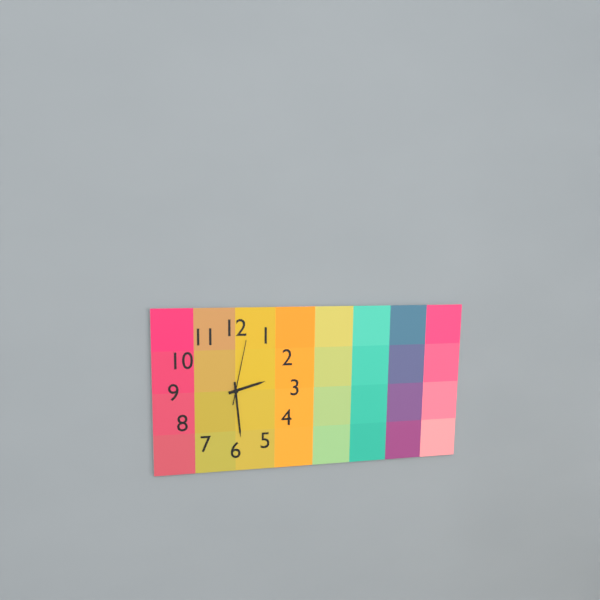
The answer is 2h29m02s
